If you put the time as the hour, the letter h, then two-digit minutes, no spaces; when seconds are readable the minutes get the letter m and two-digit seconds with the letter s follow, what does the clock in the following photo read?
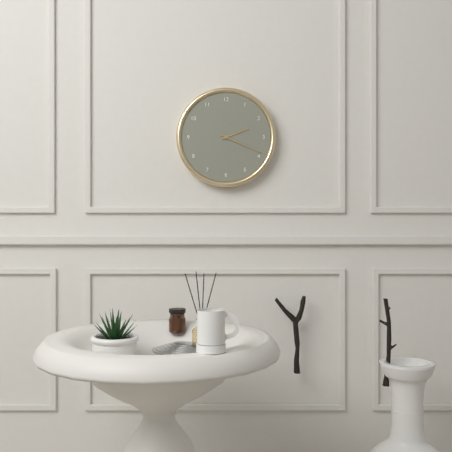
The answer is 2h19
